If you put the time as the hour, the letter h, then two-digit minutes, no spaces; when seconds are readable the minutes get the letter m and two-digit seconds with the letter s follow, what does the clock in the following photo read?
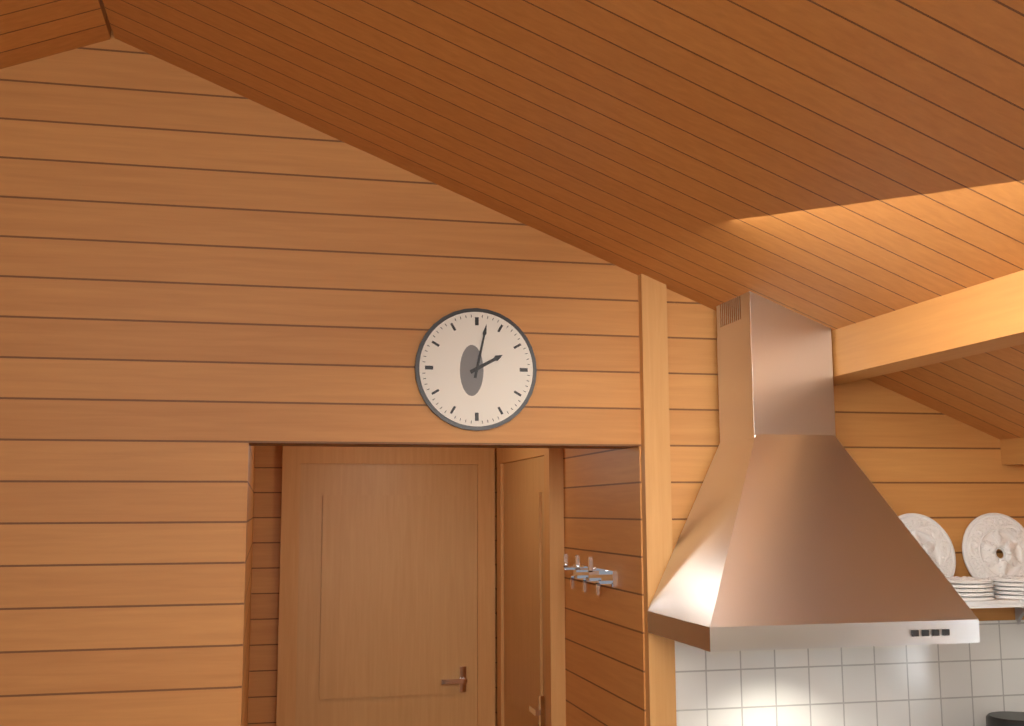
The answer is 2h02
